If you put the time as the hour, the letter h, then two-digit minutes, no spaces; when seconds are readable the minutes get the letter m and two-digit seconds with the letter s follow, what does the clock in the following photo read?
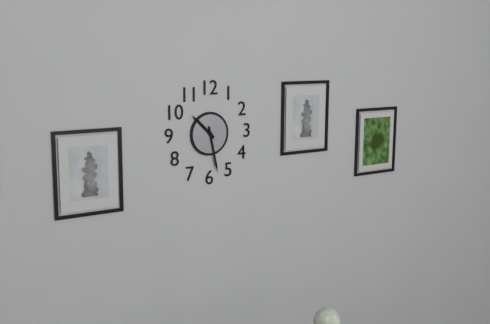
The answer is 10h28
